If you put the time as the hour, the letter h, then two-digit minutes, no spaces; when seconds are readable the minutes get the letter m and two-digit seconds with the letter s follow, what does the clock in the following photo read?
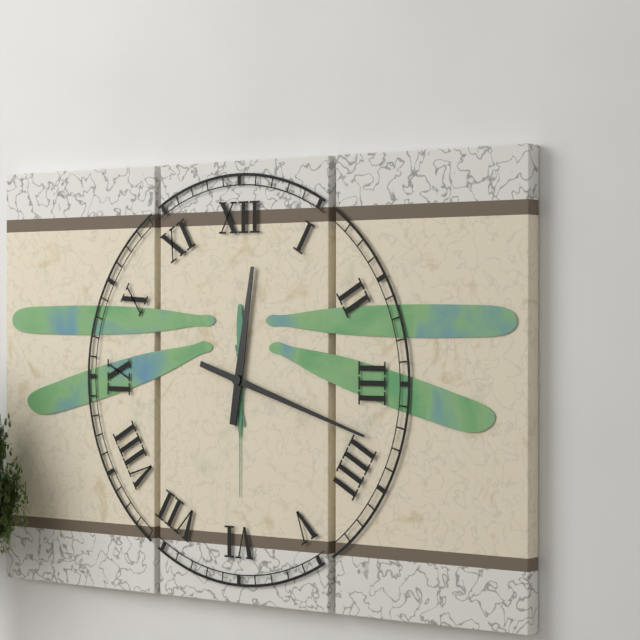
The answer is 12h18
